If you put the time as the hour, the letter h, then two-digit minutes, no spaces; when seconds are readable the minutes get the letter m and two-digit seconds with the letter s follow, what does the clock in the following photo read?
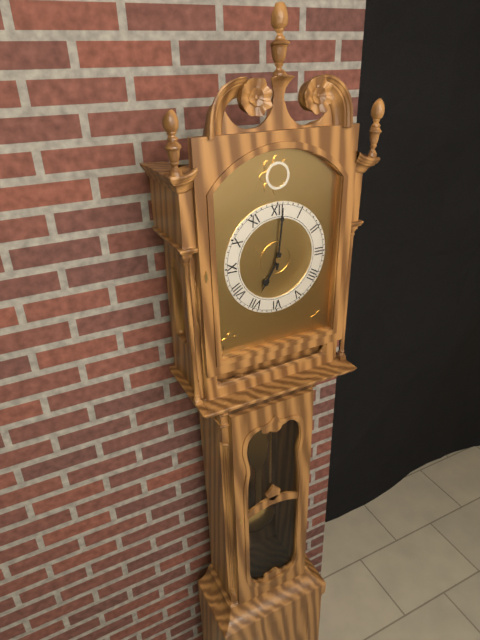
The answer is 7h01
